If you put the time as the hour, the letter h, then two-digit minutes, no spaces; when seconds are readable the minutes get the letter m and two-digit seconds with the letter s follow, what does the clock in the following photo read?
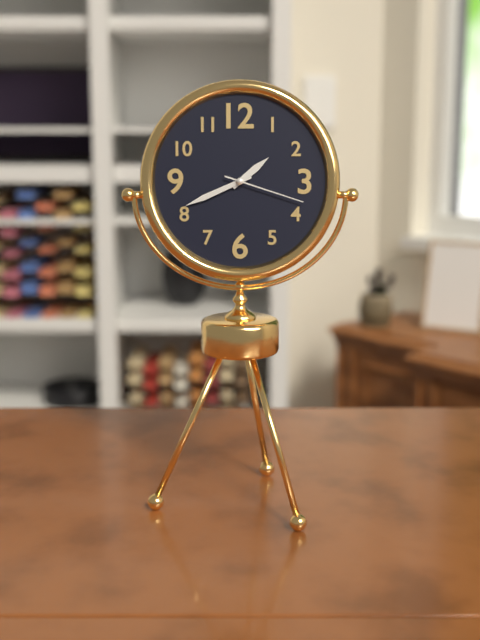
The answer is 1h41m18s
